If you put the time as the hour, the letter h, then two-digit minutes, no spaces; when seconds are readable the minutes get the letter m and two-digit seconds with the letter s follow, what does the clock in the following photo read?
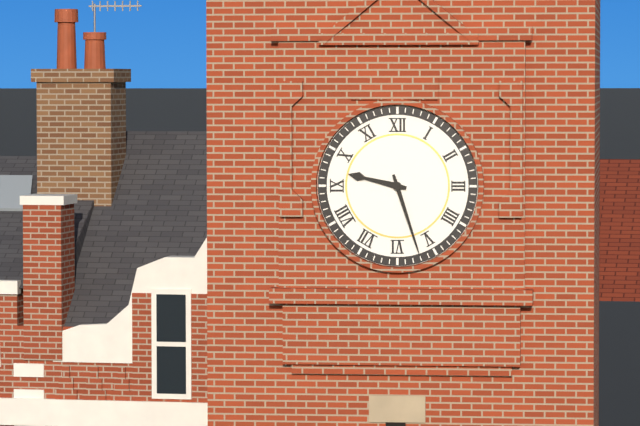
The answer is 9h27
